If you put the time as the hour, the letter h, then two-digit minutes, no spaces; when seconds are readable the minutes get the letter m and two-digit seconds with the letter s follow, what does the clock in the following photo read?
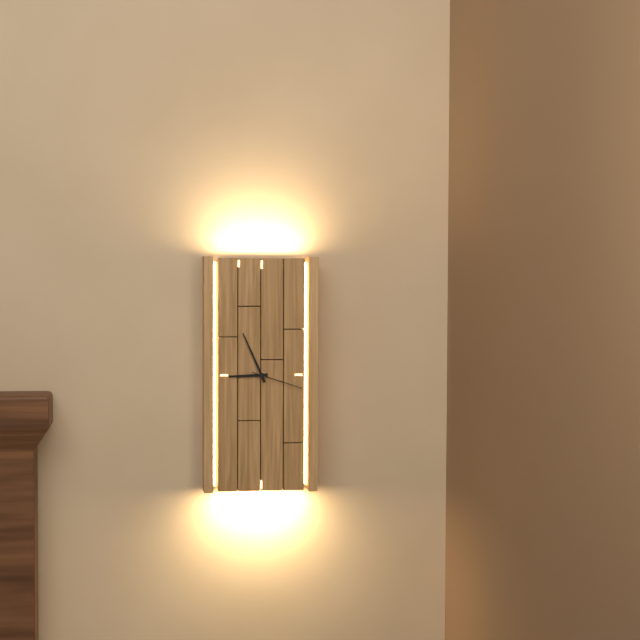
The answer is 8h56m18s
